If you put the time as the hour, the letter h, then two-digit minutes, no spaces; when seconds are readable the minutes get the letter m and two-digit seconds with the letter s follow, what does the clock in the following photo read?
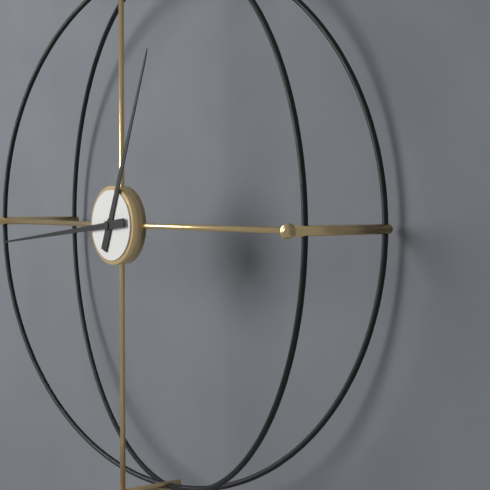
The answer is 12h44
